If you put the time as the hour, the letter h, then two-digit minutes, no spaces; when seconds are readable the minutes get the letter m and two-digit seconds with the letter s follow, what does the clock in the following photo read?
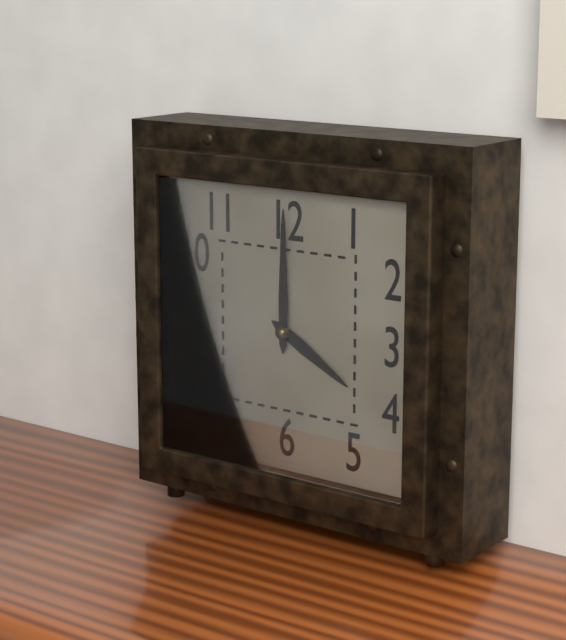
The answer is 4h00
